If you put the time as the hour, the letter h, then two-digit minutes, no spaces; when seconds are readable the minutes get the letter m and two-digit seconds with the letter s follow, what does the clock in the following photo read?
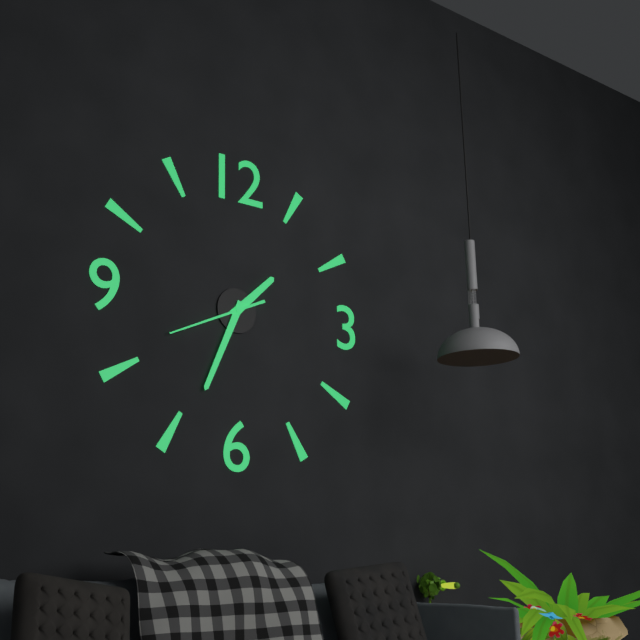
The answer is 1h34m41s
